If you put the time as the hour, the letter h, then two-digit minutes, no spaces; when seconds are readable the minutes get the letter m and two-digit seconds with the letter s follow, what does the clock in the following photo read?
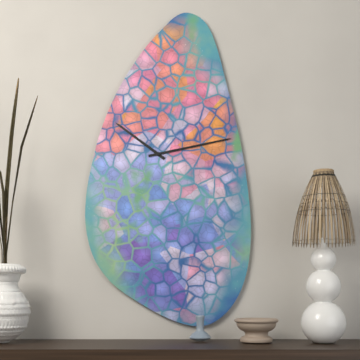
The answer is 10h13
